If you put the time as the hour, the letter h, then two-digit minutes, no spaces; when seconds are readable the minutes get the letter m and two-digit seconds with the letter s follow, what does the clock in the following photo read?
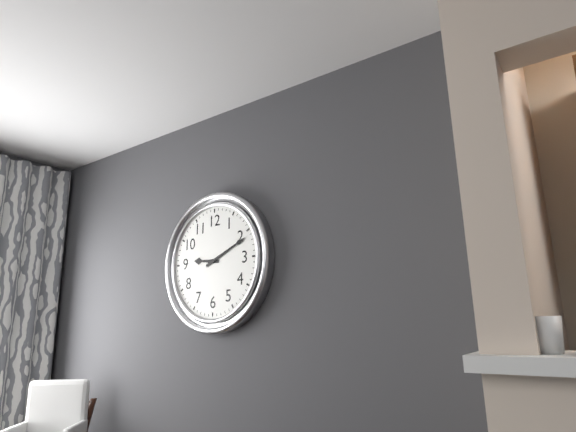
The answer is 9h11
